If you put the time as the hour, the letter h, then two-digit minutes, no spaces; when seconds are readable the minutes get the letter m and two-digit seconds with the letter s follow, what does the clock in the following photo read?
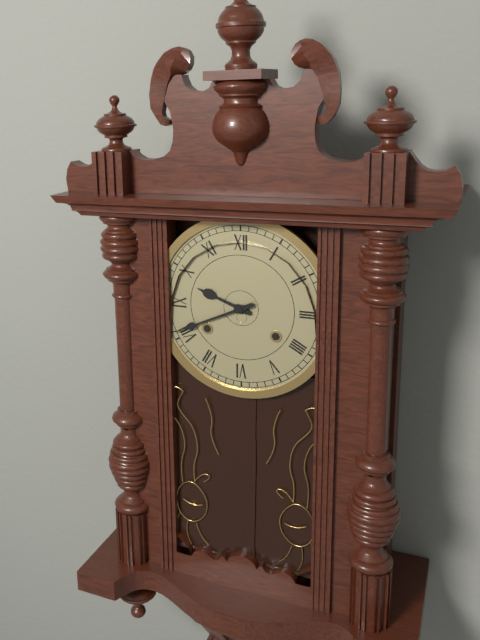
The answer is 9h41
